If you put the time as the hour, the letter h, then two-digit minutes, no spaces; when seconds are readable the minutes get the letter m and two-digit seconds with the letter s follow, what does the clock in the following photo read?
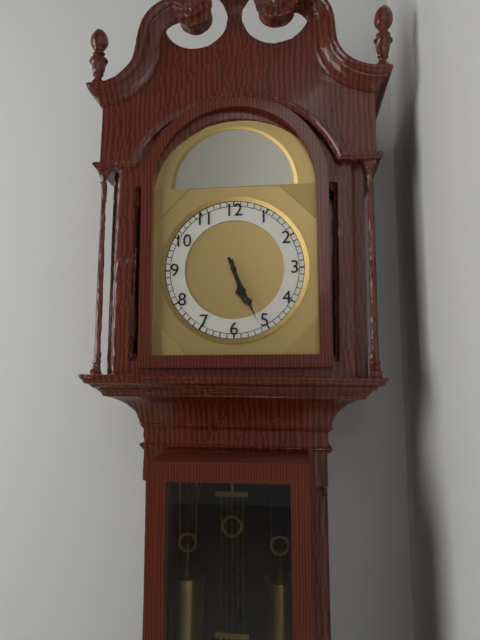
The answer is 5h26
